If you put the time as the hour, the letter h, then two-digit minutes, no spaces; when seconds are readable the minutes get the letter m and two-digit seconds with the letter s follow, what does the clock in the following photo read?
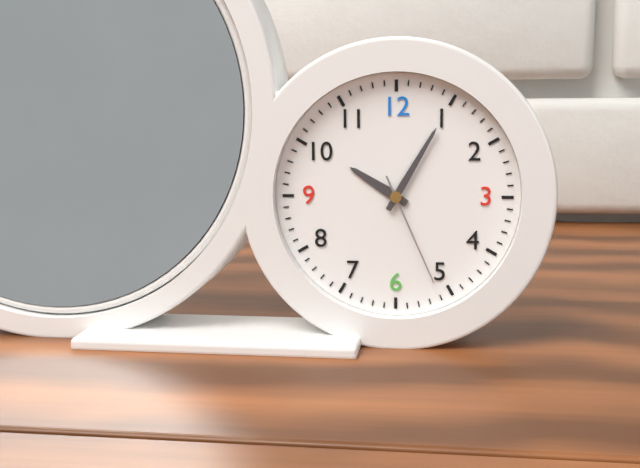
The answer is 10h05m26s
